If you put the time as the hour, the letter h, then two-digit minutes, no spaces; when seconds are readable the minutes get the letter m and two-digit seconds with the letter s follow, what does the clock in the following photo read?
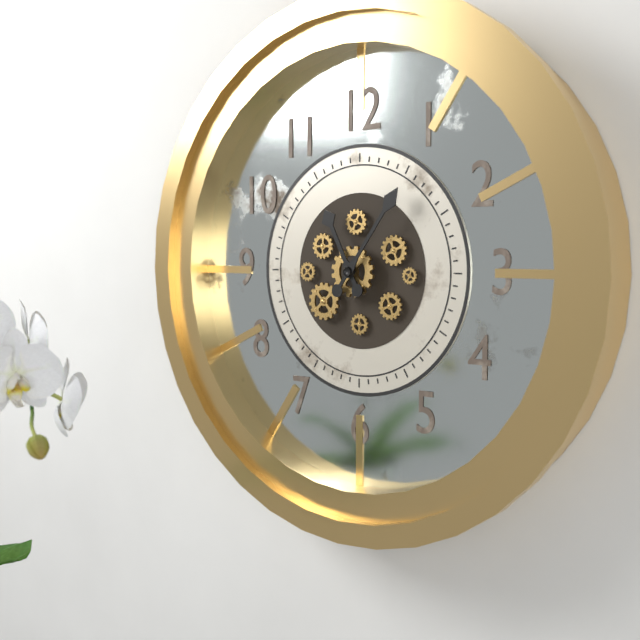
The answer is 11h06
